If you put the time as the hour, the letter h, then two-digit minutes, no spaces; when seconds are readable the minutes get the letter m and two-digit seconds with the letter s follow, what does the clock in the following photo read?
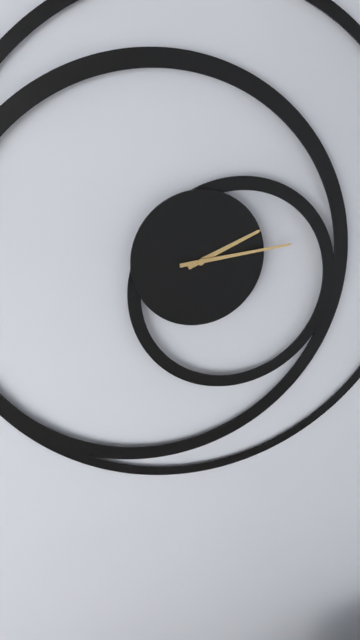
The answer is 2h14
